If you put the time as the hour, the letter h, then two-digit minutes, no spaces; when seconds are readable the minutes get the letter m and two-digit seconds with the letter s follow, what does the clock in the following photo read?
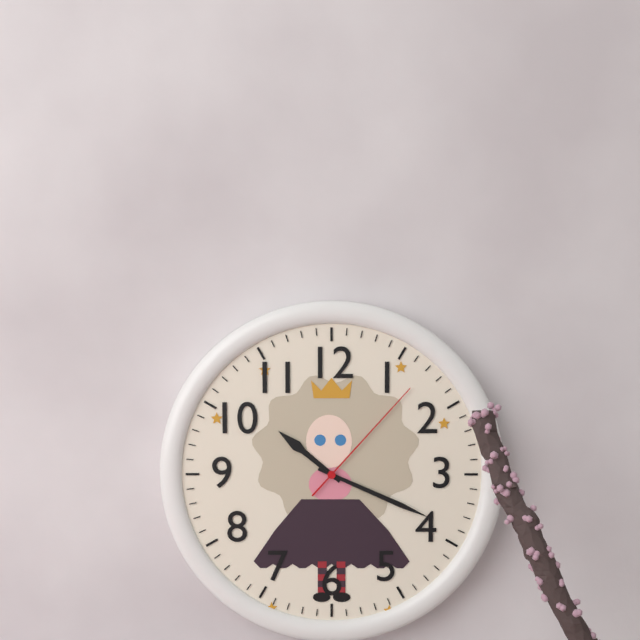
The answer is 10h19m07s
